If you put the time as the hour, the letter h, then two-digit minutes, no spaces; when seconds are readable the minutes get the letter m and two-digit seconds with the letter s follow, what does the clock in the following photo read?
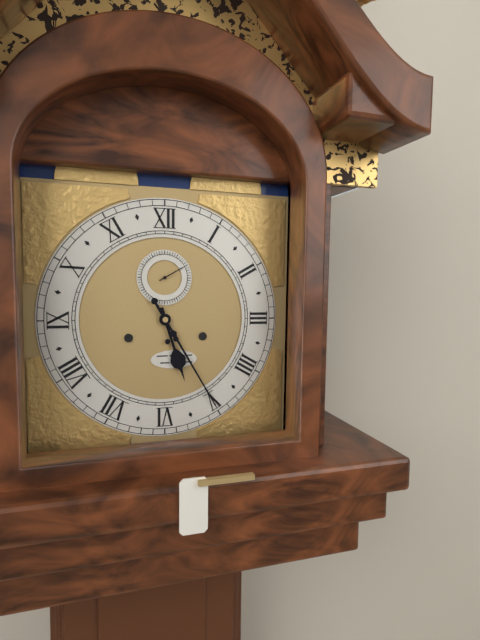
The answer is 5h25
